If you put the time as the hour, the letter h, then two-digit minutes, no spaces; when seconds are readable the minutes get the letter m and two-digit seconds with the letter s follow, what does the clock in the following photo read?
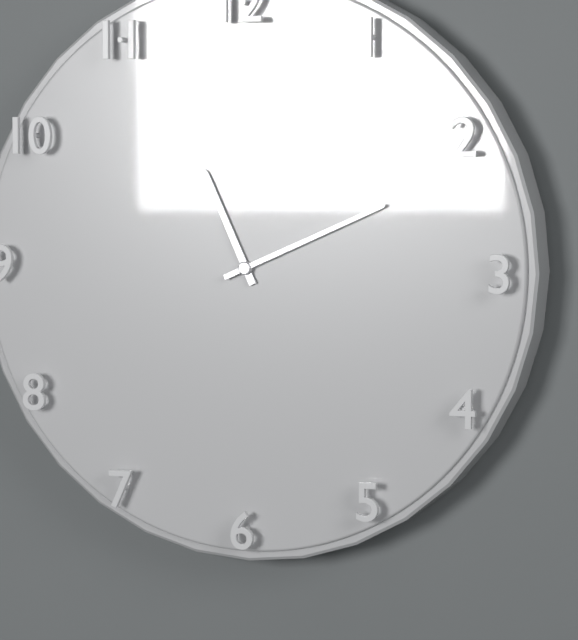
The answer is 11h11
